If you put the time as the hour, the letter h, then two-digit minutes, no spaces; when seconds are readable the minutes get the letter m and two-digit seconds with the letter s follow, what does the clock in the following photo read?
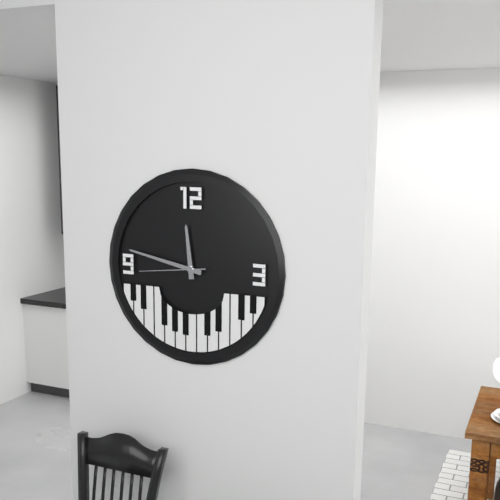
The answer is 11h47m44s
